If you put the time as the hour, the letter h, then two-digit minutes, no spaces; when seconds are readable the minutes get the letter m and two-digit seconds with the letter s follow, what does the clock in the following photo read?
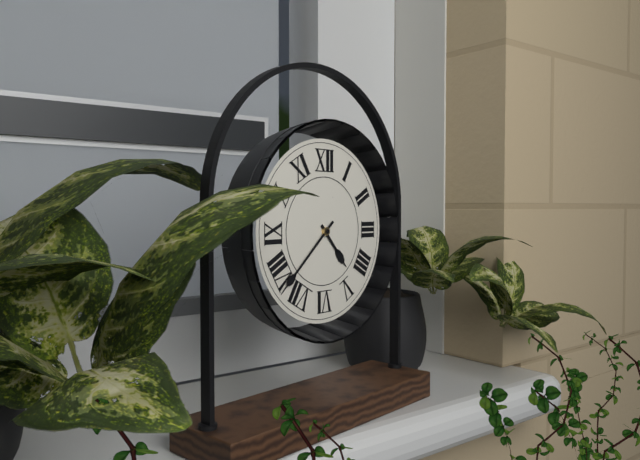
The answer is 4h38
